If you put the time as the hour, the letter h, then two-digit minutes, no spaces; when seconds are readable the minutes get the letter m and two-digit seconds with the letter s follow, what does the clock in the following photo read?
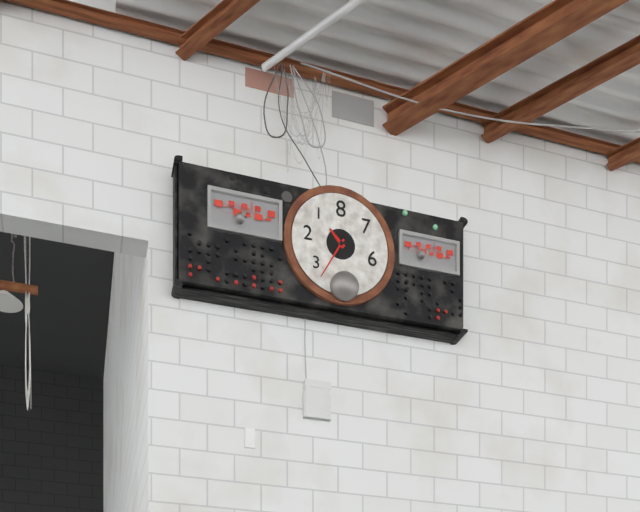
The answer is 10h35
